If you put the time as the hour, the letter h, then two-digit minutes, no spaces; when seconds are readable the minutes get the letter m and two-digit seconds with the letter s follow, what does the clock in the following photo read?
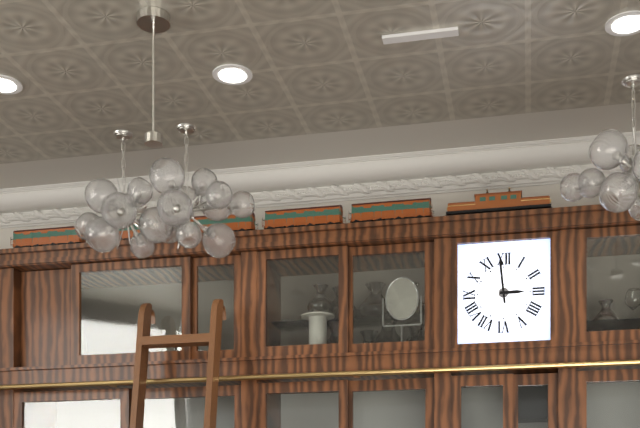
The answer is 2h59
